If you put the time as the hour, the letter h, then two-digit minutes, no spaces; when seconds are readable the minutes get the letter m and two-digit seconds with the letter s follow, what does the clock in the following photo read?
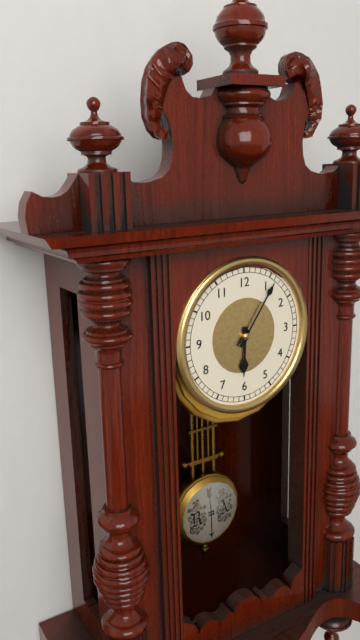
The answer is 6h06
